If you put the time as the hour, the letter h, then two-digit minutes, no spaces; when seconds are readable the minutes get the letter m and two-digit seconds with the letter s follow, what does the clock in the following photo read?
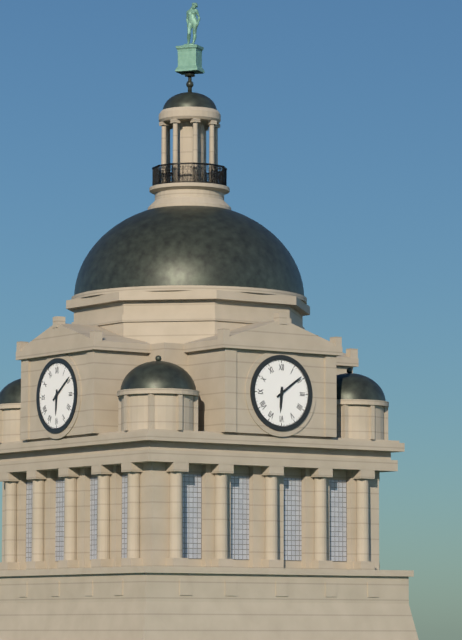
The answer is 6h09
